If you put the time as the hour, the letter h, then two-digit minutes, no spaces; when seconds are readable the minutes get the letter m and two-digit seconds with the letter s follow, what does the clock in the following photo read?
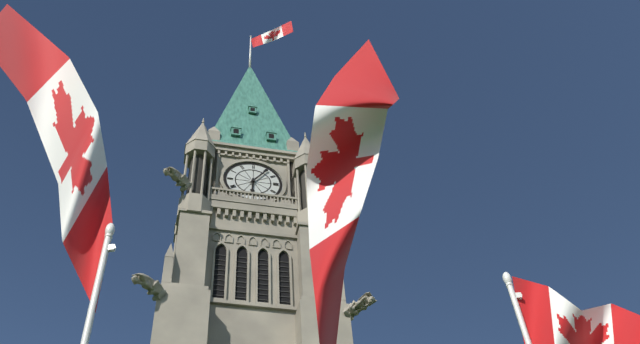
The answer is 6h06
